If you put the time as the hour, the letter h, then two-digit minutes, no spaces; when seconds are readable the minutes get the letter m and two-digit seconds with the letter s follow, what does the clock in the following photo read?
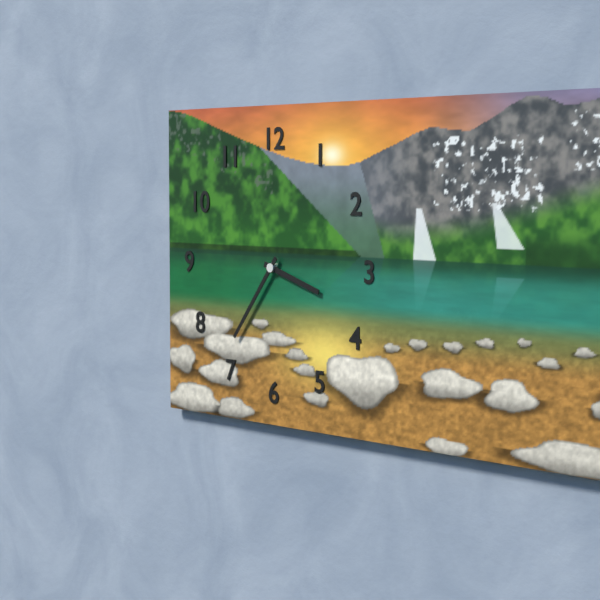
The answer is 3h36
